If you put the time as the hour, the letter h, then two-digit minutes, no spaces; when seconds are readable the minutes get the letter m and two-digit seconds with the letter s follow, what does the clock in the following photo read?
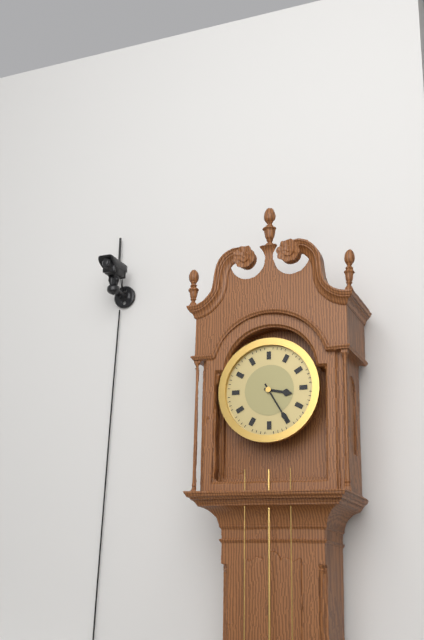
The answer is 3h25
